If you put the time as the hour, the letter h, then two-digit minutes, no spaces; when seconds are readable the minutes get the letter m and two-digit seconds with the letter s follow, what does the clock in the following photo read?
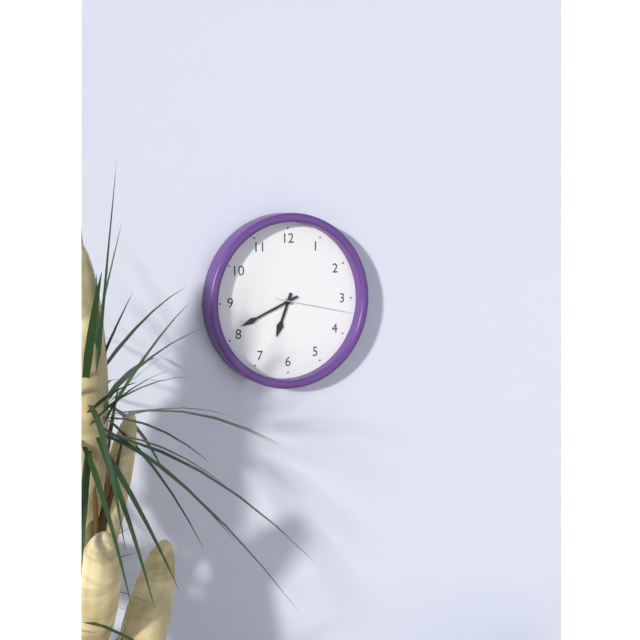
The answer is 6h41m17s
